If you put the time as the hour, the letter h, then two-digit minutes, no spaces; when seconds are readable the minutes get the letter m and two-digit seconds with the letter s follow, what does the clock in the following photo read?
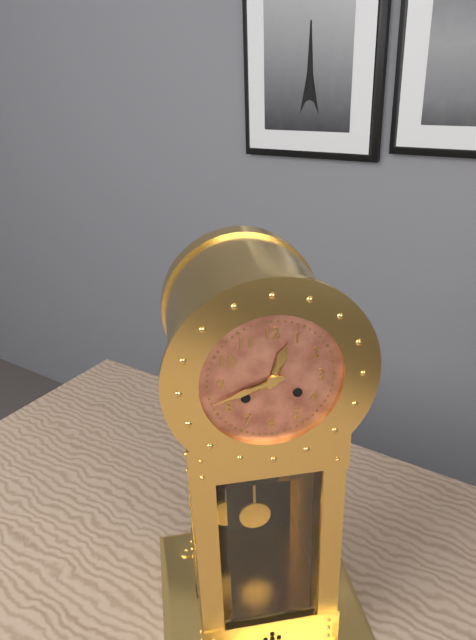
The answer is 12h42
